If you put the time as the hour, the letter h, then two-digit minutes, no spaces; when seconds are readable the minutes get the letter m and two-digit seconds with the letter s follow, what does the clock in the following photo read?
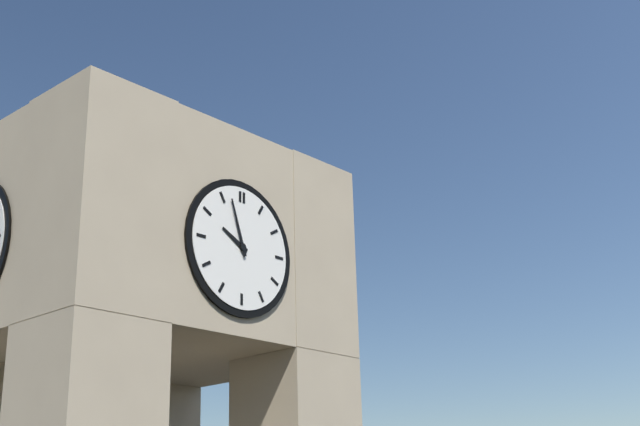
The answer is 9h57
